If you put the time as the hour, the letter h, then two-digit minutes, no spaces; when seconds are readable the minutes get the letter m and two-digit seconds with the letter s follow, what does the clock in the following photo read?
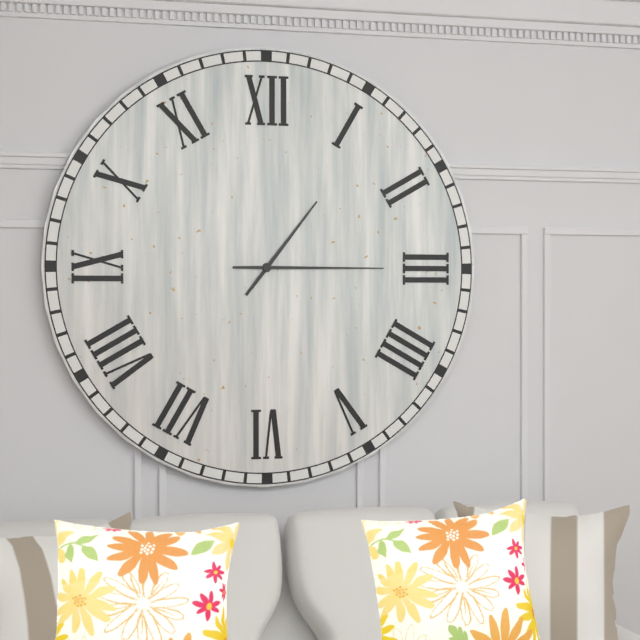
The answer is 1h15
